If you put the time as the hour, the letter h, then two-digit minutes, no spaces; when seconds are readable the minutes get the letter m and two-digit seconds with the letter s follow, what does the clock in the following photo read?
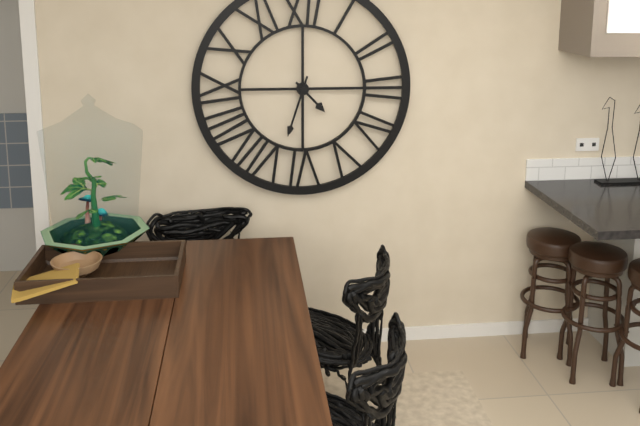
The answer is 4h33
